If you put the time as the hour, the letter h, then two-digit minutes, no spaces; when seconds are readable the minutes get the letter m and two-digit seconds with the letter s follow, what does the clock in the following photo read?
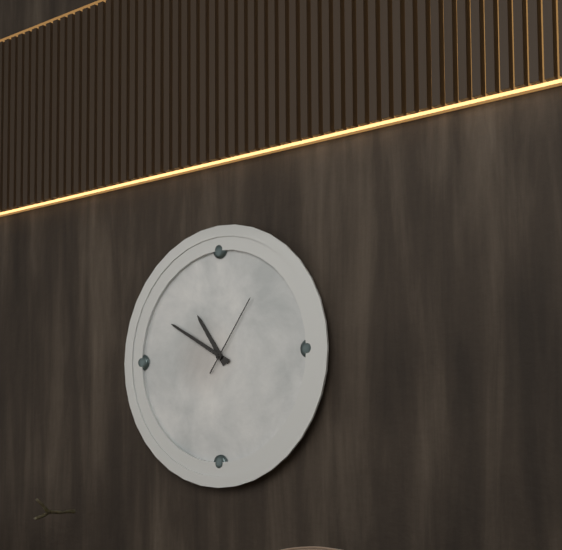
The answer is 10h50m06s
